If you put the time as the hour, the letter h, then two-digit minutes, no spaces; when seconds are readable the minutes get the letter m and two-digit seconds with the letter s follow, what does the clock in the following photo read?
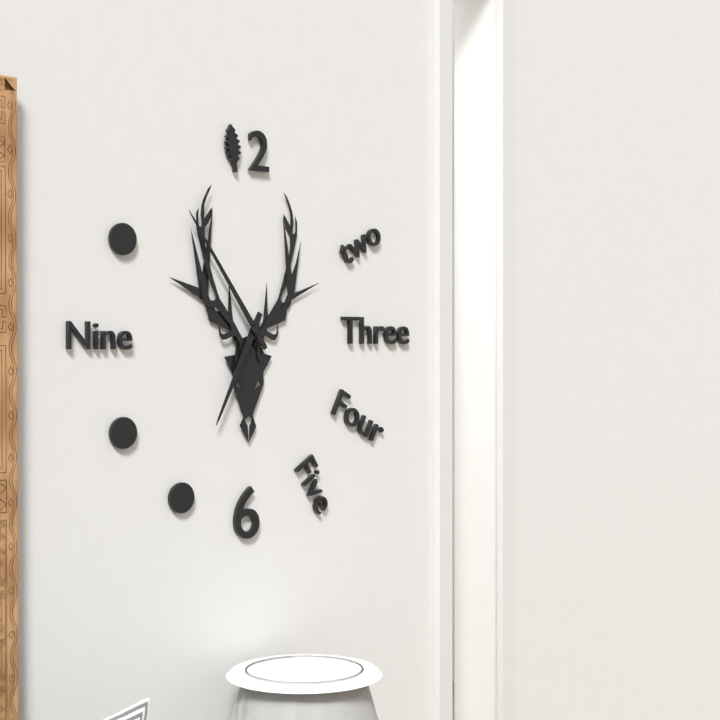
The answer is 6h54
